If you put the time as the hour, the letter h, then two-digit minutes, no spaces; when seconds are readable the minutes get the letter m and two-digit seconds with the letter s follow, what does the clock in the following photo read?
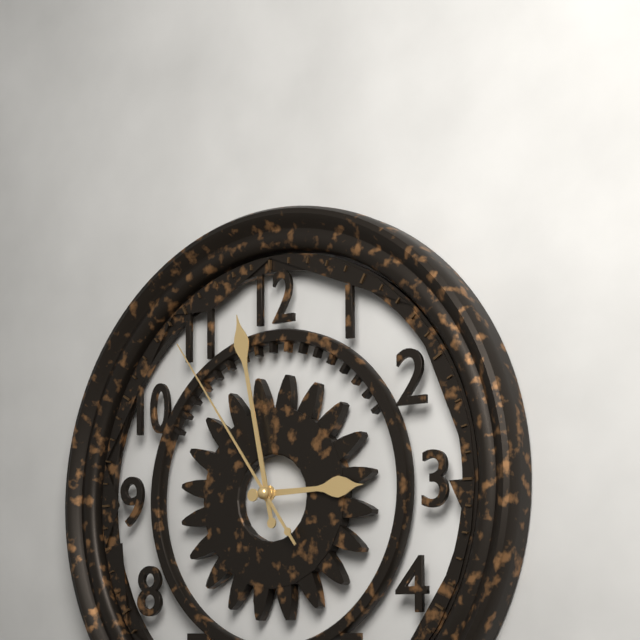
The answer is 2h58m54s
